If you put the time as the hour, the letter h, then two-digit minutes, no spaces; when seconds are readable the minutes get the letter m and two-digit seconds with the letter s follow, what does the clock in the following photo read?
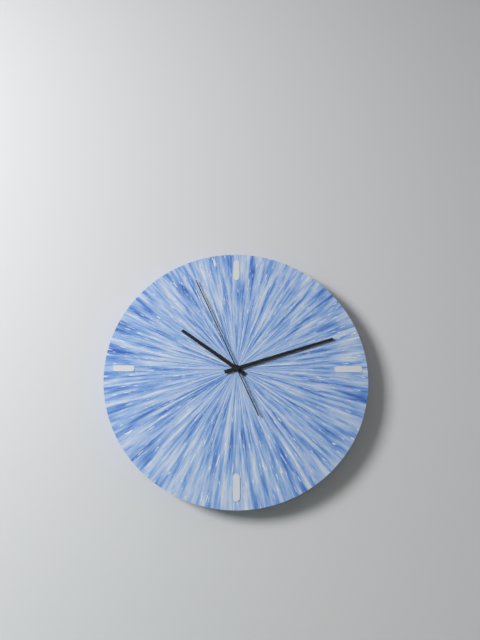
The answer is 10h12m56s
